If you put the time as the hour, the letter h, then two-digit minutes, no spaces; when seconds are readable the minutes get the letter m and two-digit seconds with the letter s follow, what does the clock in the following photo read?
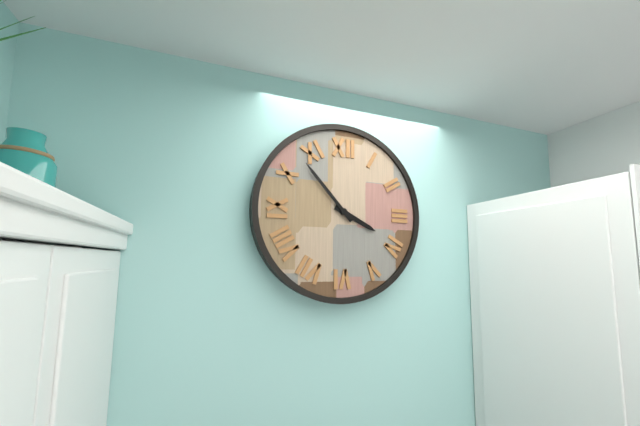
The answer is 3h53
